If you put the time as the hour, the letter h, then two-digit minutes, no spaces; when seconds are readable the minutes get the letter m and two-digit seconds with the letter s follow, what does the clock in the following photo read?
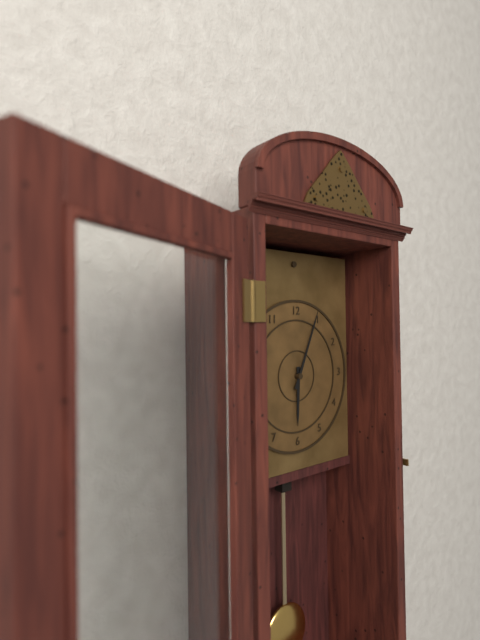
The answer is 6h04
